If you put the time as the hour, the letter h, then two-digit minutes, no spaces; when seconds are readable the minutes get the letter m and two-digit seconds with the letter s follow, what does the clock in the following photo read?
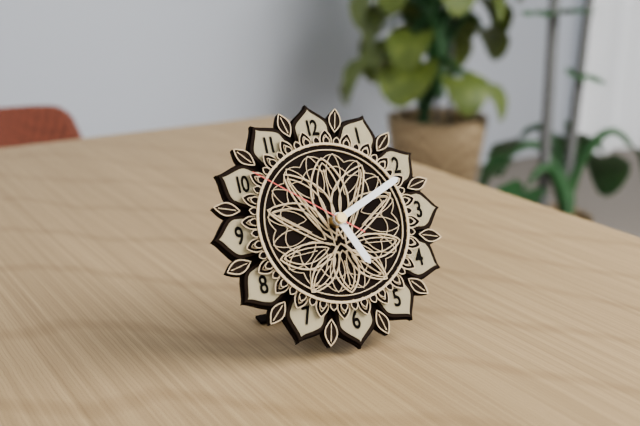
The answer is 5h11m51s
